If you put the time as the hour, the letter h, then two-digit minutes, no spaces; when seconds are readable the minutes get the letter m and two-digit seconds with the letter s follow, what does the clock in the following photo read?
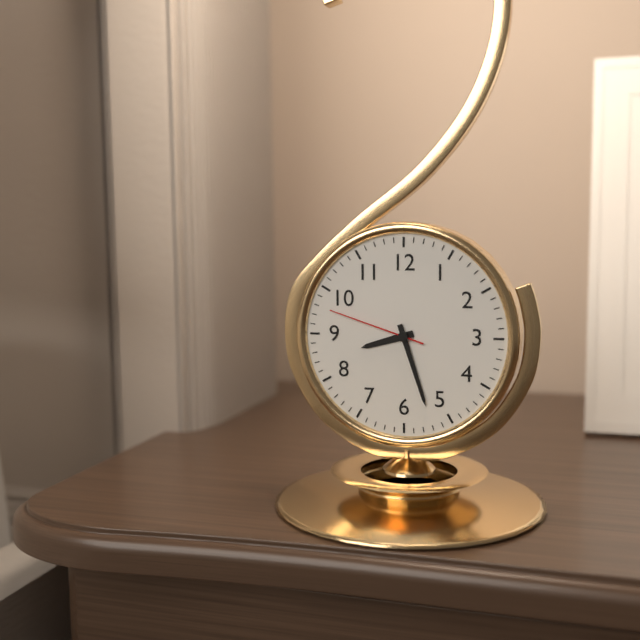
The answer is 8h27m48s
